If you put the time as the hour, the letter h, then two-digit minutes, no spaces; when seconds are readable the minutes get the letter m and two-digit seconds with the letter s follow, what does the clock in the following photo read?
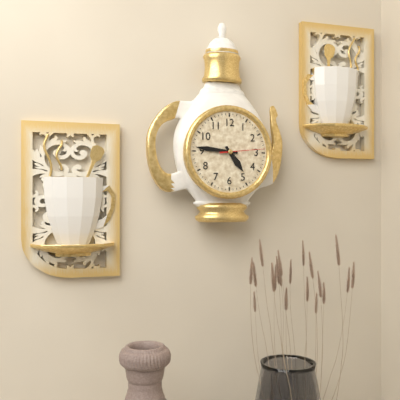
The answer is 4h46
